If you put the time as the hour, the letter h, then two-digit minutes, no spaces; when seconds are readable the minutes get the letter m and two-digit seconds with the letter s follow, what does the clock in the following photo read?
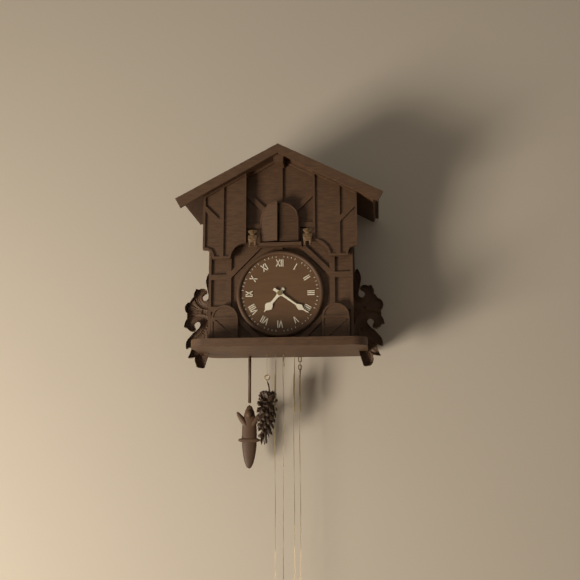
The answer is 7h21
